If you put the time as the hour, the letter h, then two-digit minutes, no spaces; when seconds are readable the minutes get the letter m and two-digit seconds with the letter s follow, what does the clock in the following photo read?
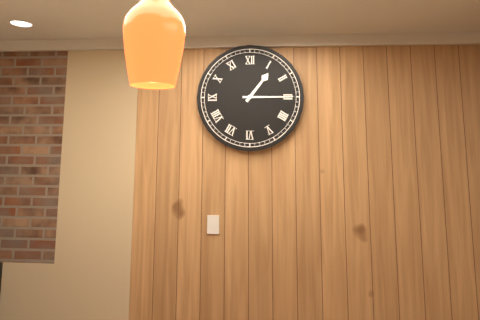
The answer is 1h15
